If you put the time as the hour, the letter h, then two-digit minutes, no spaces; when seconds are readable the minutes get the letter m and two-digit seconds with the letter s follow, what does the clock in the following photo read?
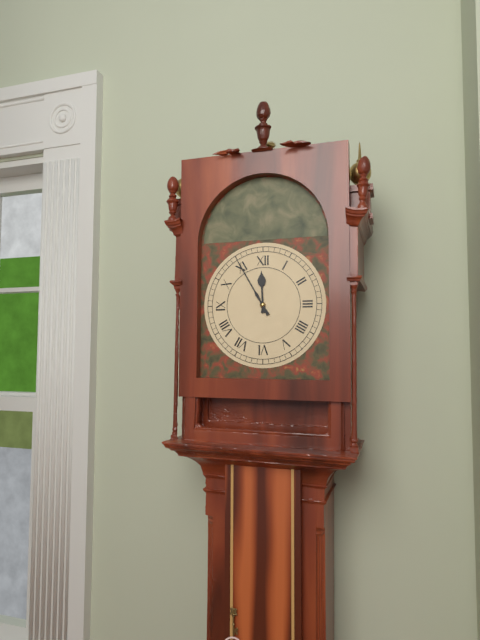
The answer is 11h55
